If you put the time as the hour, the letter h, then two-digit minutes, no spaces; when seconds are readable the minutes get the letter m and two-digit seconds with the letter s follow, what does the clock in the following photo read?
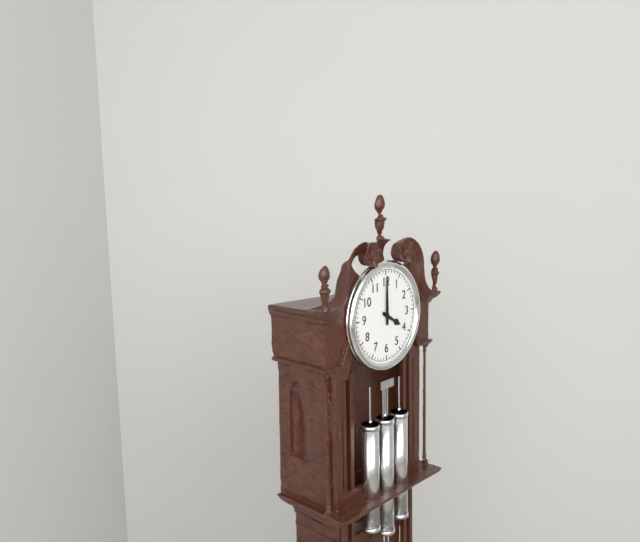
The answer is 4h00
